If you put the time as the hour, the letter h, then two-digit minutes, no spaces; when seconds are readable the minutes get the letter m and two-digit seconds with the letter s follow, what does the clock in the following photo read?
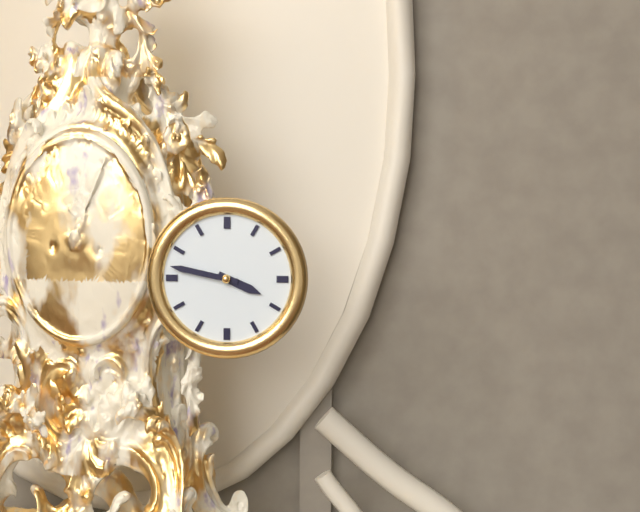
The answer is 3h47
